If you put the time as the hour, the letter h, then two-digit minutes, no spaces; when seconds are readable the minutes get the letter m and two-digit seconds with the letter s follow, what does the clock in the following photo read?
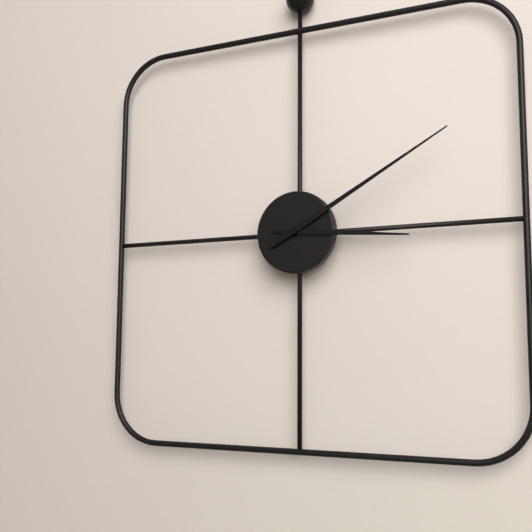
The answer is 3h10
